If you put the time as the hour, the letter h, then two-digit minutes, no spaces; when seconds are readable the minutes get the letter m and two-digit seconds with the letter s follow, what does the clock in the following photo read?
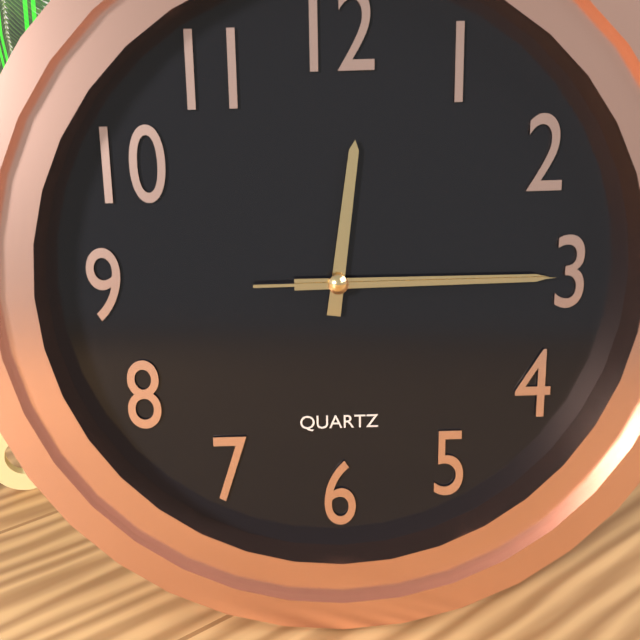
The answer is 12h15m15s
